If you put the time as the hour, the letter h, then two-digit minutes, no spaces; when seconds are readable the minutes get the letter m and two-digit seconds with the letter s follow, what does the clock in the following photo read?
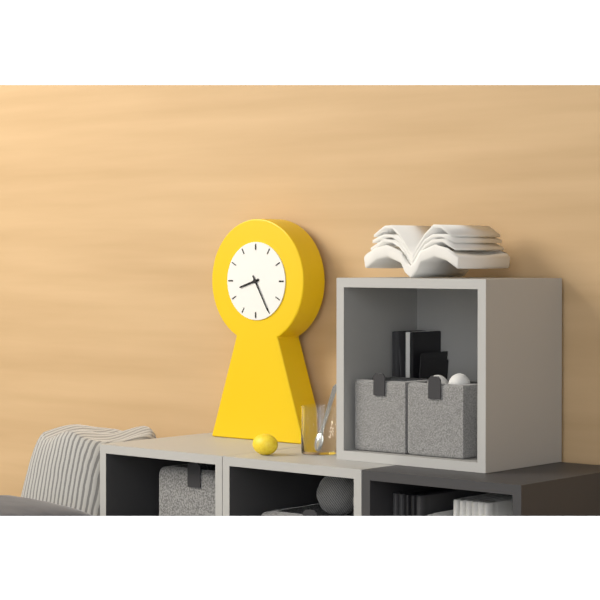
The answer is 8h25
